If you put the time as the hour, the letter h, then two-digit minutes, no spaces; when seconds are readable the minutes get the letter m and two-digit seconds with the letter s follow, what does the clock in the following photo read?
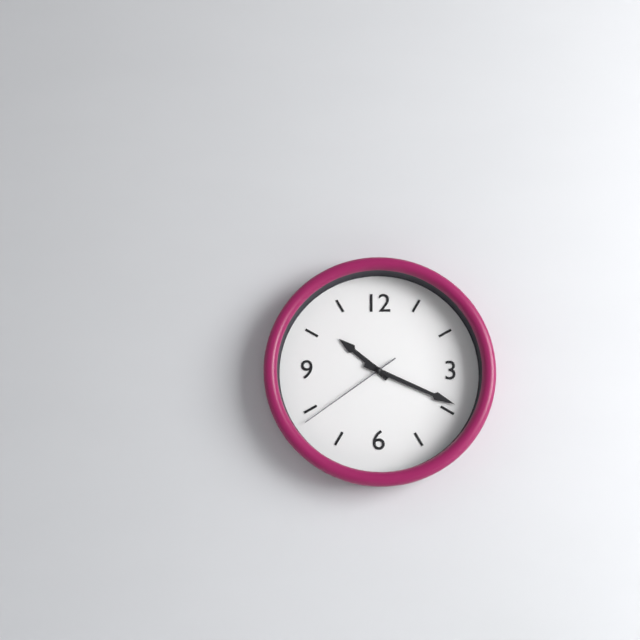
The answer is 10h19m39s
